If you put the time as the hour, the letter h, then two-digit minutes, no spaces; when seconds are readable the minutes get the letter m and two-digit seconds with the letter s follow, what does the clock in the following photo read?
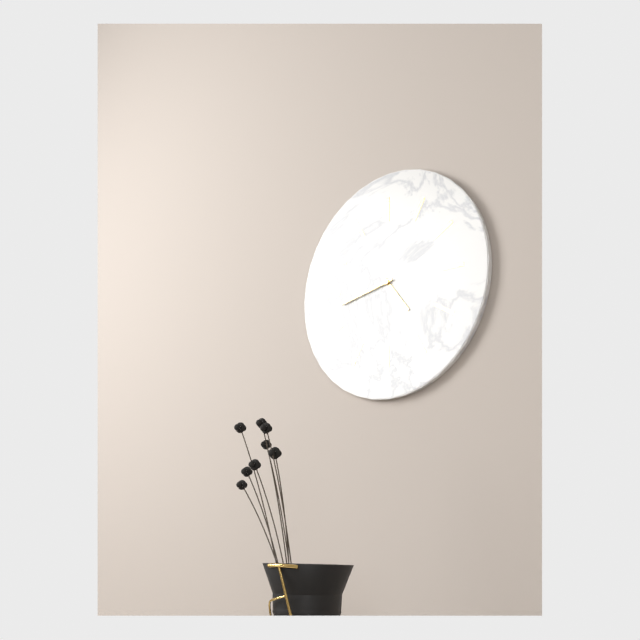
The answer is 4h43
